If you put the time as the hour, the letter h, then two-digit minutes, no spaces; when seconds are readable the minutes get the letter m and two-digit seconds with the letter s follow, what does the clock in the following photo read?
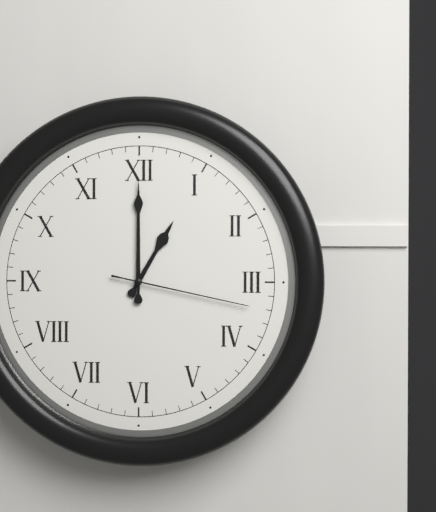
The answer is 1h00m17s
